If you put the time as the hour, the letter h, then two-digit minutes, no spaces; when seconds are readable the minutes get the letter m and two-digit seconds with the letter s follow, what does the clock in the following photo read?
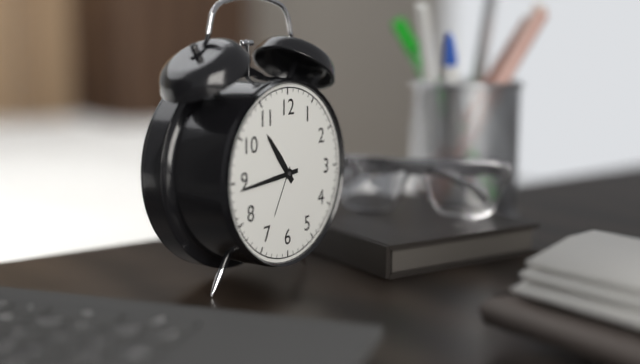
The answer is 10h44
